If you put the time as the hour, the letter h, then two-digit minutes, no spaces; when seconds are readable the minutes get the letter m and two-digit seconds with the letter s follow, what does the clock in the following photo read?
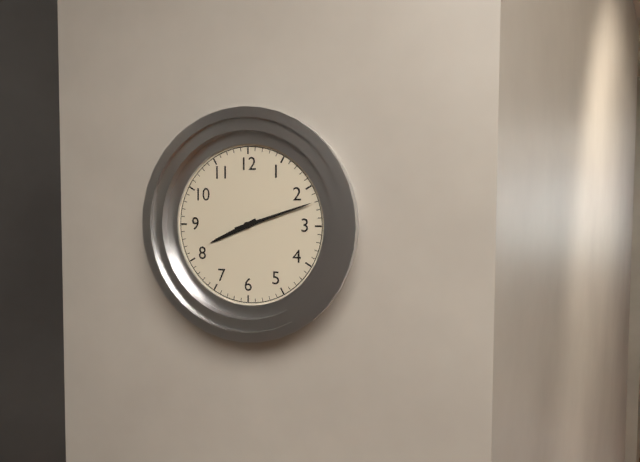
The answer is 8h12
